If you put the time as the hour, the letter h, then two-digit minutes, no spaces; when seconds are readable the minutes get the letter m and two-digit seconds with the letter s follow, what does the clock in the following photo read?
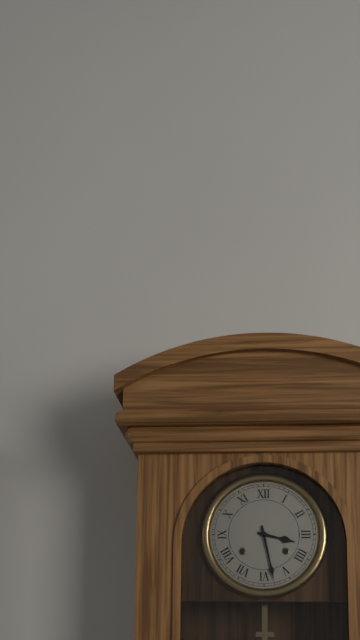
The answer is 3h28
